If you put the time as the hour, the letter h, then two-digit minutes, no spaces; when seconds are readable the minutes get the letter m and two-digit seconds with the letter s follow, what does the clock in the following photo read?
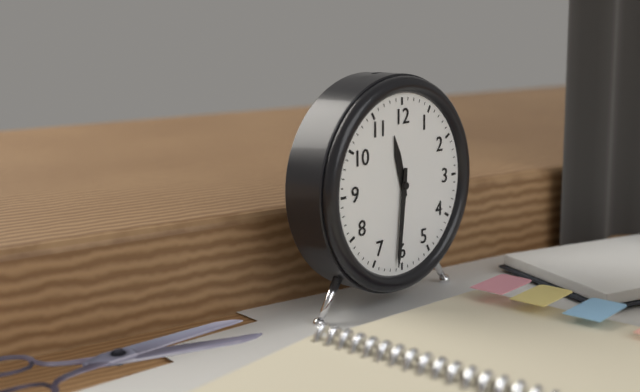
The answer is 11h31
